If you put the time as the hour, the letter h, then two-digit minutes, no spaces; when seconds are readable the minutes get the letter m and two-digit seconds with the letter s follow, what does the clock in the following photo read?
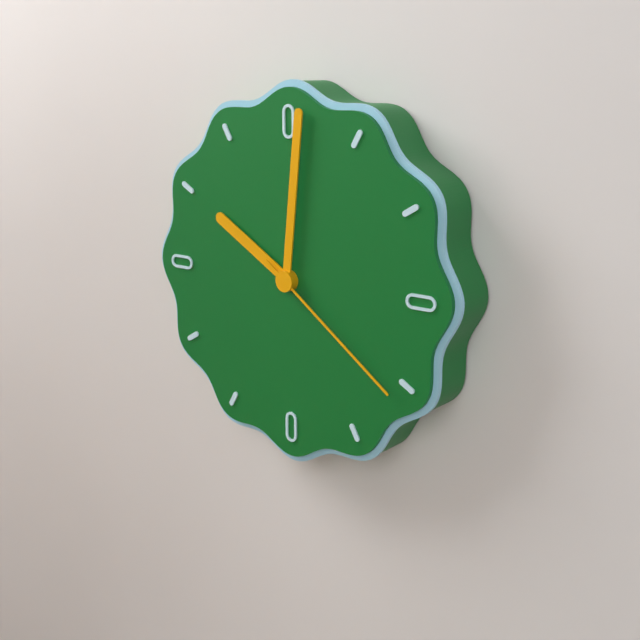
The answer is 10h01m21s
